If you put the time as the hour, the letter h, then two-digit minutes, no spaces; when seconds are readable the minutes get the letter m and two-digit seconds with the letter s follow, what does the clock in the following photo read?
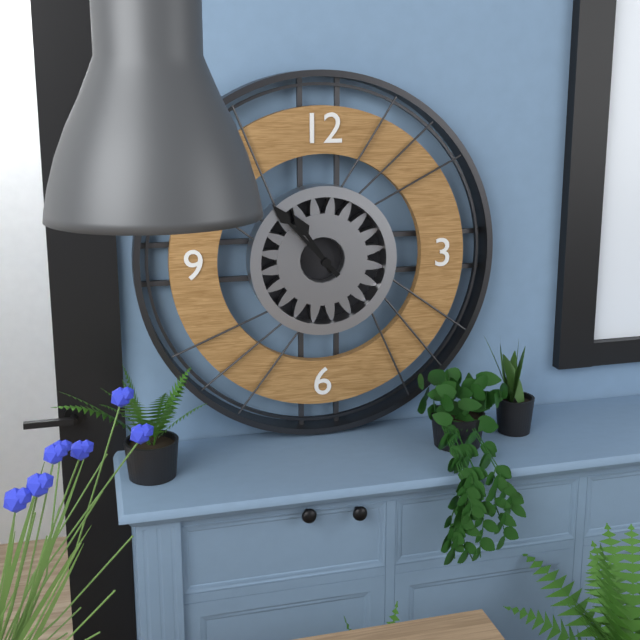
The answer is 10h53
